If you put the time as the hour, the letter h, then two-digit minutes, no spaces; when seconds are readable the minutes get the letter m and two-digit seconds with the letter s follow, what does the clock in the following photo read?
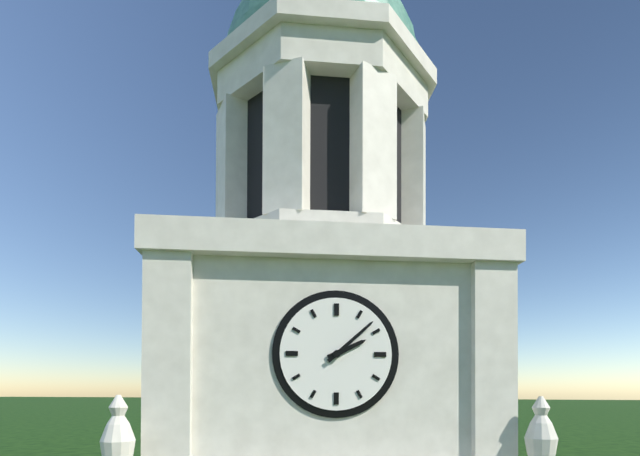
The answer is 2h08
